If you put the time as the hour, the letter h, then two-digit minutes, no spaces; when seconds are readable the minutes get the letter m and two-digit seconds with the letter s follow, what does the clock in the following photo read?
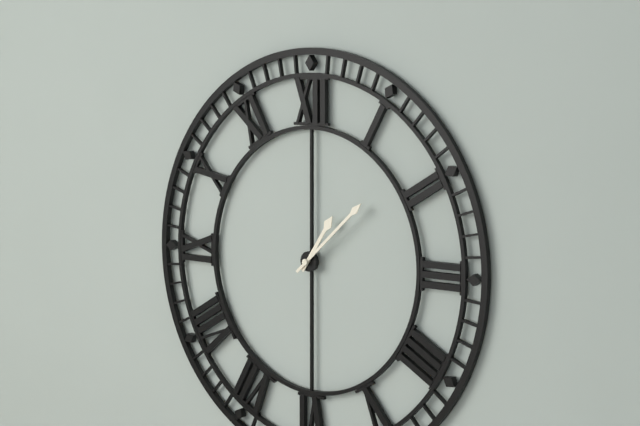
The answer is 1h08
